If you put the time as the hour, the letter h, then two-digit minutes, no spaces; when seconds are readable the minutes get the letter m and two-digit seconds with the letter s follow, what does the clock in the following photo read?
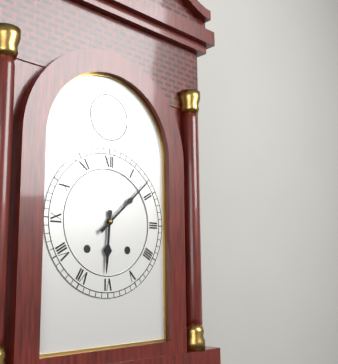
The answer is 6h08
